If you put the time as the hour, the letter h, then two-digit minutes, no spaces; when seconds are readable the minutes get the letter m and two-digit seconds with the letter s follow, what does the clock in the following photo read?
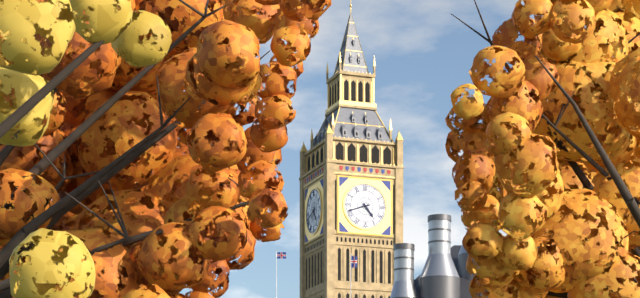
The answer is 4h42
